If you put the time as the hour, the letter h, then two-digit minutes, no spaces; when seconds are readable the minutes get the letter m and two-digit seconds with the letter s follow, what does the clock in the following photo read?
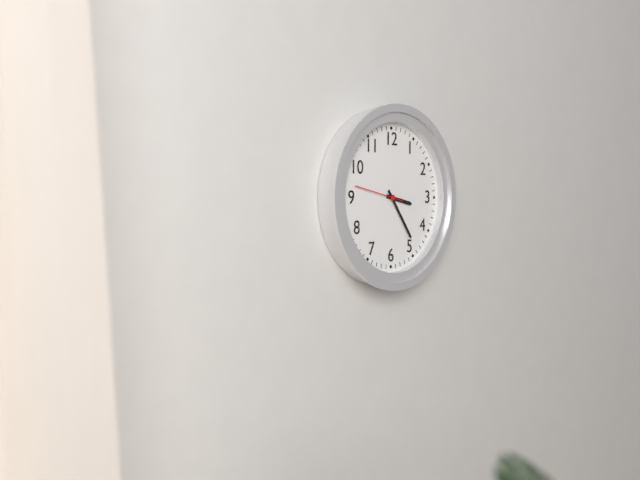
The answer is 3h24
